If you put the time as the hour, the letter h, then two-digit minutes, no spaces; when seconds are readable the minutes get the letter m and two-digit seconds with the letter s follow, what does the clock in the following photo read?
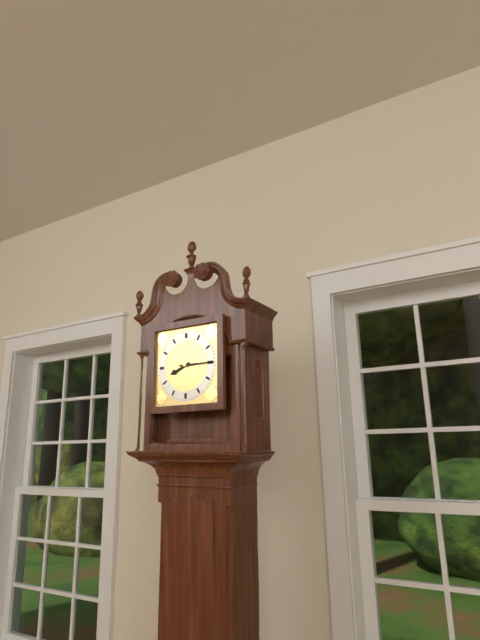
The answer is 8h15
